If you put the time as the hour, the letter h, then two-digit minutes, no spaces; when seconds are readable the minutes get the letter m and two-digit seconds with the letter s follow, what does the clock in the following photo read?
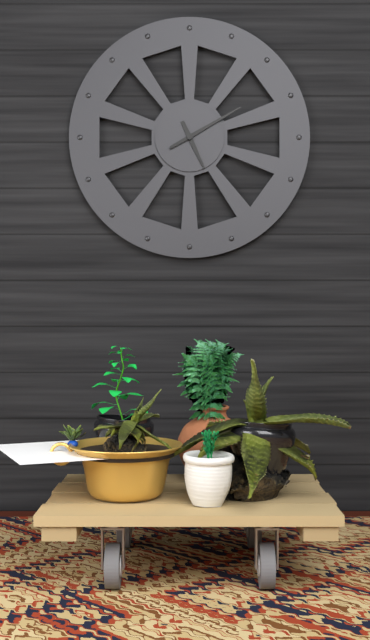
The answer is 5h10
